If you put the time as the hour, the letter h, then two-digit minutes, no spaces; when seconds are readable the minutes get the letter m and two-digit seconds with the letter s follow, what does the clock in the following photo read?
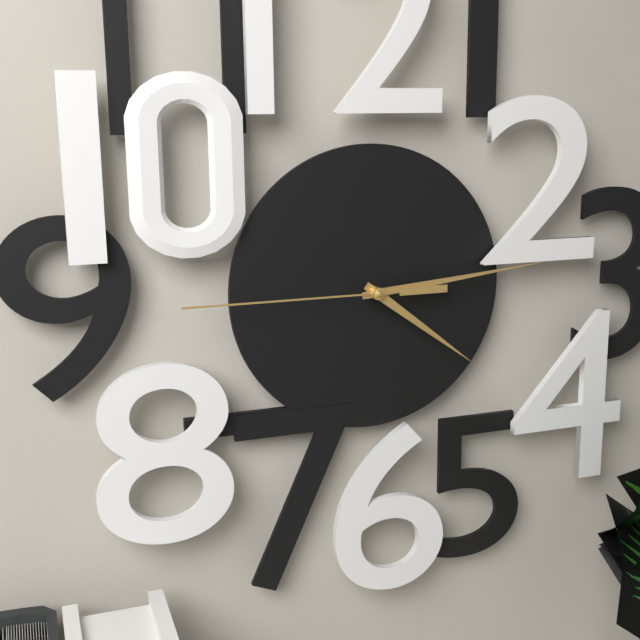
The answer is 4h14m45s
